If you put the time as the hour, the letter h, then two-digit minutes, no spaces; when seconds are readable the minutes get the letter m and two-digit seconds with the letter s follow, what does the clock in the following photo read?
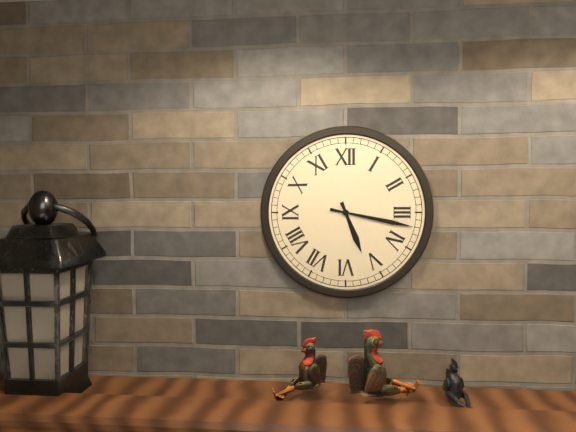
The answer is 5h17
